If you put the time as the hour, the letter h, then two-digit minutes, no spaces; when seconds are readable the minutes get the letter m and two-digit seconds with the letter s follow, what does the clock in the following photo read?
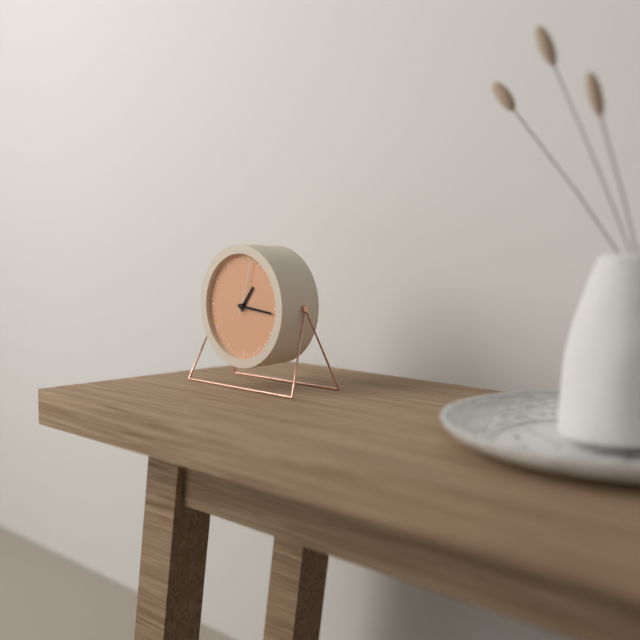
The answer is 1h16m03s
